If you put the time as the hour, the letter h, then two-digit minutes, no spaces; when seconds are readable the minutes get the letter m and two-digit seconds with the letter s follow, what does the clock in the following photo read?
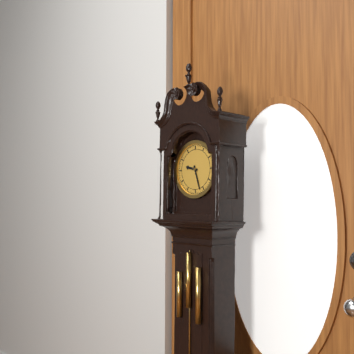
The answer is 9h27
